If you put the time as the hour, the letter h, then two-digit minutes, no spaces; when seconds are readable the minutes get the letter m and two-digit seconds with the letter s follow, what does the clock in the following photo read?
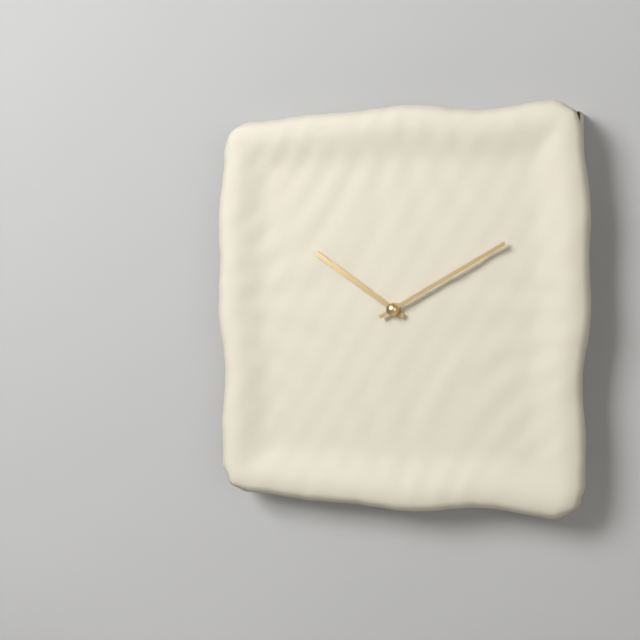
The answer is 10h10
